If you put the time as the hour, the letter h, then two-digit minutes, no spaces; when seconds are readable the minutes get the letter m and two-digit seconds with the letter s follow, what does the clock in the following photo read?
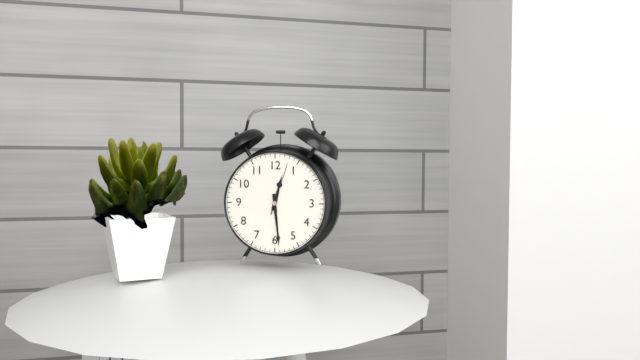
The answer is 12h29m03s
